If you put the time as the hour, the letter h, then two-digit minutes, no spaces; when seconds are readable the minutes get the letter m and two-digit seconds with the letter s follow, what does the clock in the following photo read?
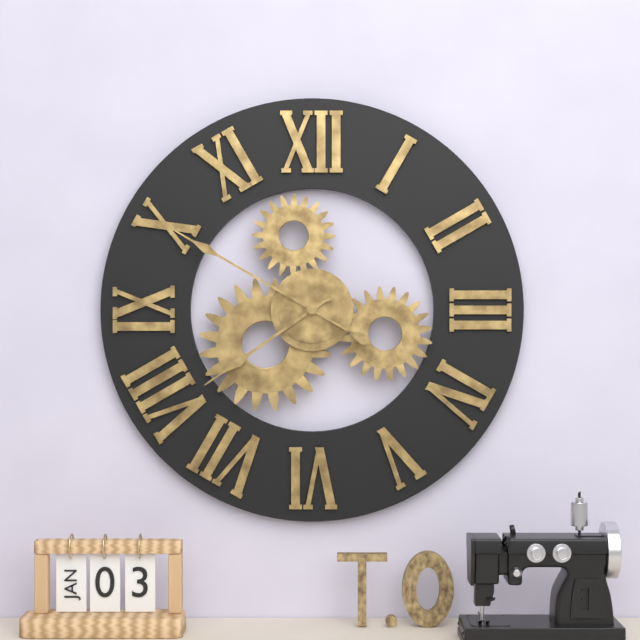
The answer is 7h50
